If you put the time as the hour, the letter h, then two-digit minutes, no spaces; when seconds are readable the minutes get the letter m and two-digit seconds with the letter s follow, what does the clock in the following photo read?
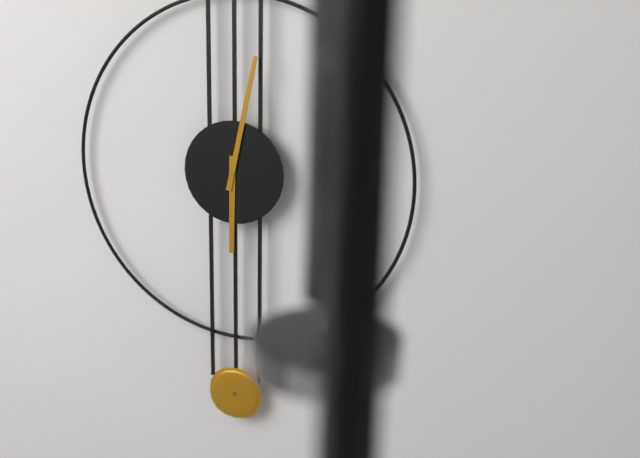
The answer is 6h02
